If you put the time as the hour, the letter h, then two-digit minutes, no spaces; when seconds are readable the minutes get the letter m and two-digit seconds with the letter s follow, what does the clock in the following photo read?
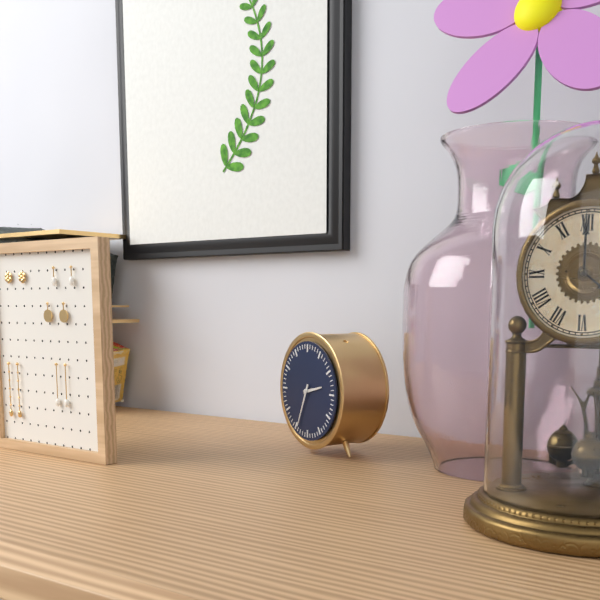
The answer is 2h34
